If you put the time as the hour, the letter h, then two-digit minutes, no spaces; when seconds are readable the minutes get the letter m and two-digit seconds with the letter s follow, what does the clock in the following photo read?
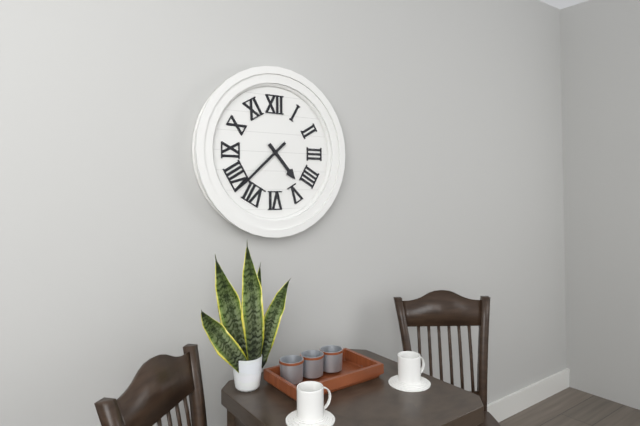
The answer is 4h38
